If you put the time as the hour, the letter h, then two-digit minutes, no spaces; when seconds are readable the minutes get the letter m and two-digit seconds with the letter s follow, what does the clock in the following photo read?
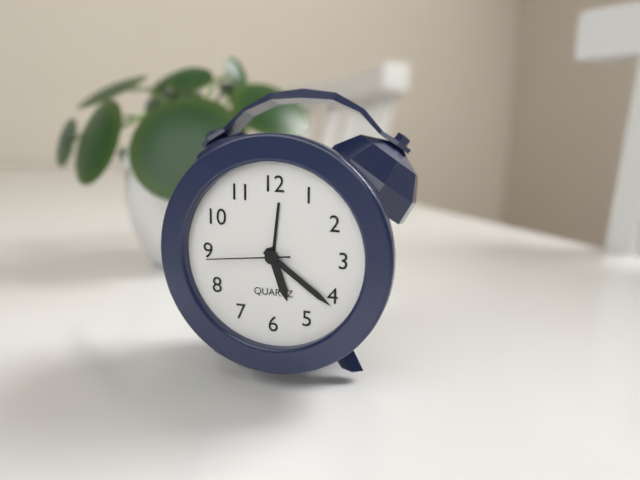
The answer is 5h21m44s
